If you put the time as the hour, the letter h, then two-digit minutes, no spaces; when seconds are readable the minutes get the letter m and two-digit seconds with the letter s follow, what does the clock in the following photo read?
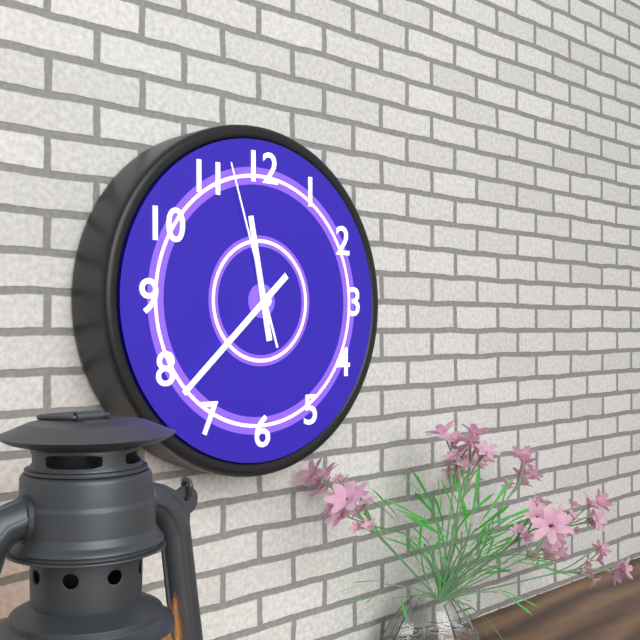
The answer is 11h38m57s
